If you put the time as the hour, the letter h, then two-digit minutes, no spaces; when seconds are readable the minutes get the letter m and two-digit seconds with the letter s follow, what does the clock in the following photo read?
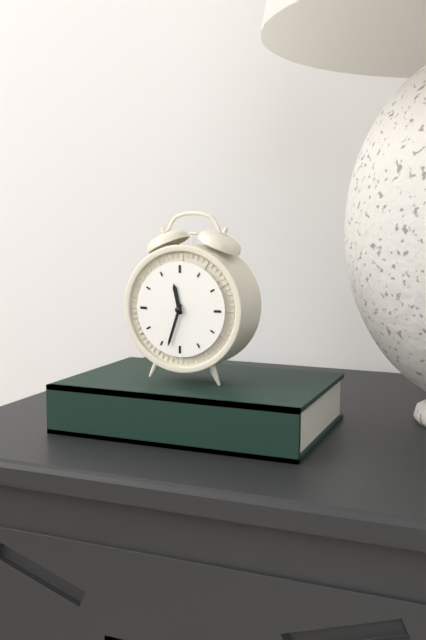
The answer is 11h33
